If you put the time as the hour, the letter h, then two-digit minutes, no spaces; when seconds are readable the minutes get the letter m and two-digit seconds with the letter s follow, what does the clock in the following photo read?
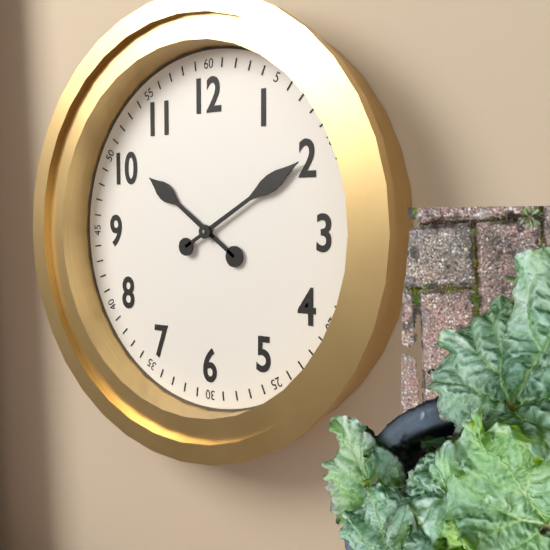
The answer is 10h10
